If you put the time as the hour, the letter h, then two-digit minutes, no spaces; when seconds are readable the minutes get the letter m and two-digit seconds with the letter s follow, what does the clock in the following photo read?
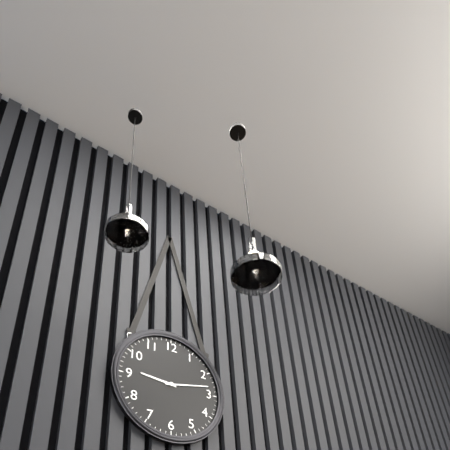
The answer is 9h13
